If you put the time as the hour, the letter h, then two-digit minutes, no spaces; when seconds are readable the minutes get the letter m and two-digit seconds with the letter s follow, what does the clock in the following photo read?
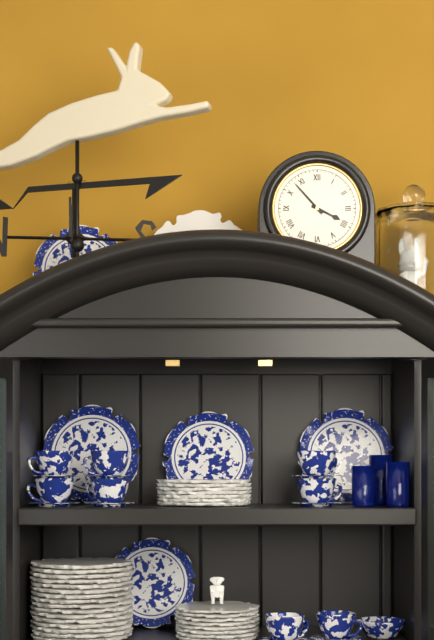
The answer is 3h53
